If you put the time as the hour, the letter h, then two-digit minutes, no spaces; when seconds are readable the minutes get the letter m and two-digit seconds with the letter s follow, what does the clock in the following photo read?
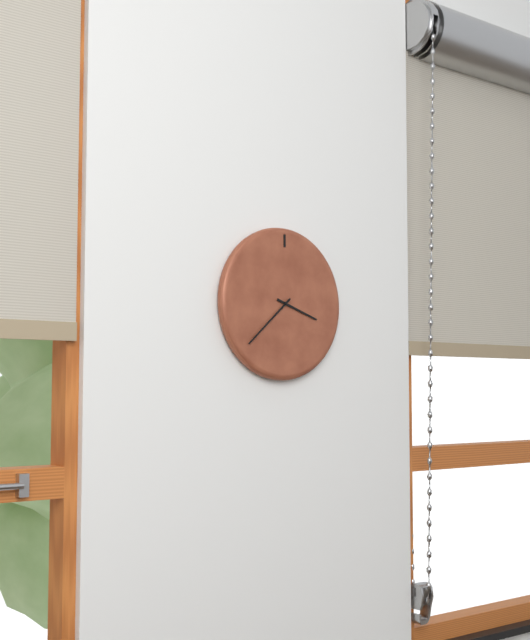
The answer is 3h38
